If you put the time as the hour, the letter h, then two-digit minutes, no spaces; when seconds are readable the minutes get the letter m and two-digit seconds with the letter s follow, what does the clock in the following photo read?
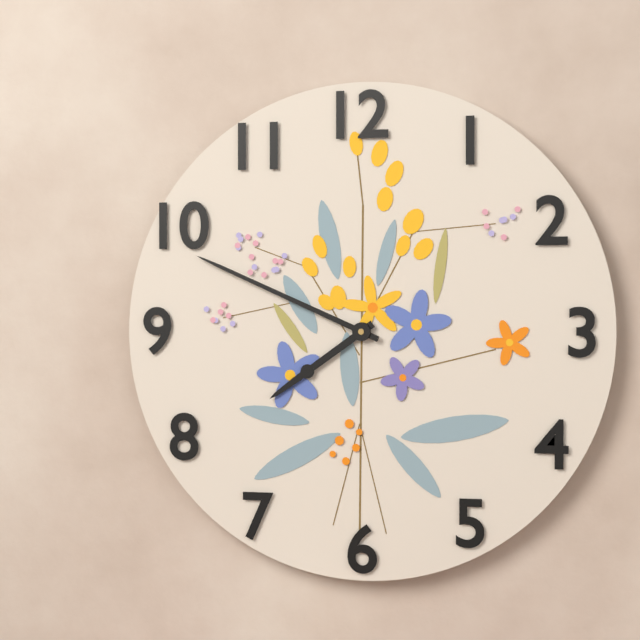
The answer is 7h49
